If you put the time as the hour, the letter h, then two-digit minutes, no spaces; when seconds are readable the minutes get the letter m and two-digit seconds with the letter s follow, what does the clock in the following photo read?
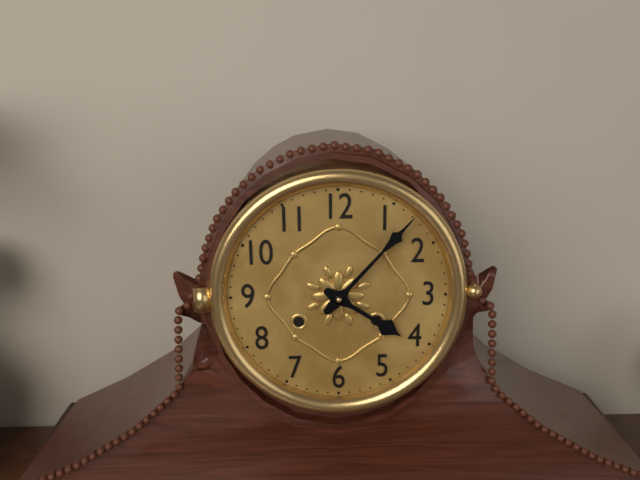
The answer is 4h07
